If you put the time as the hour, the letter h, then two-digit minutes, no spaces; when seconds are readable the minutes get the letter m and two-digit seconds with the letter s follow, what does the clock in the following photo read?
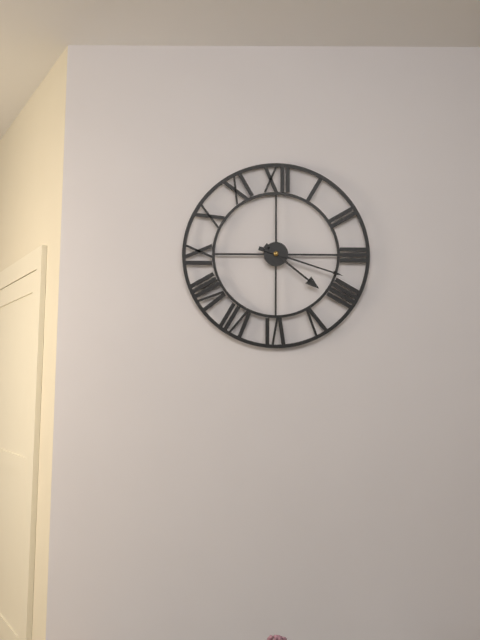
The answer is 4h18
